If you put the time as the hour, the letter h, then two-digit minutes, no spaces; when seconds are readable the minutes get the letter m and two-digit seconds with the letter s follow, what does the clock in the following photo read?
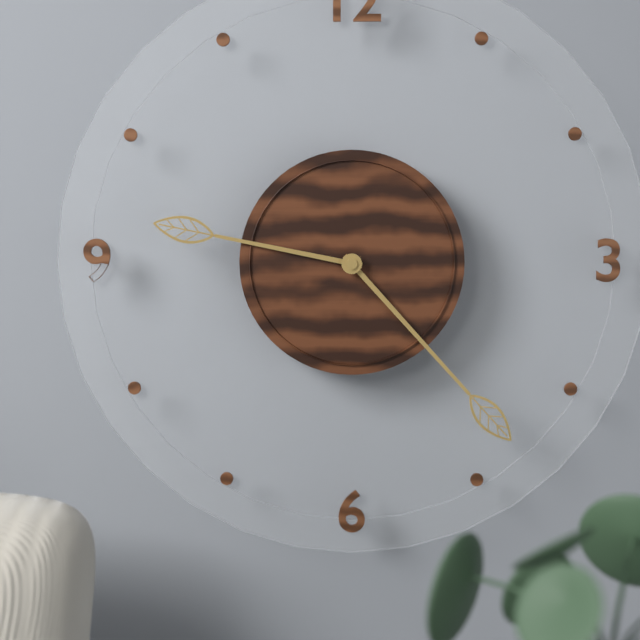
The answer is 9h23
